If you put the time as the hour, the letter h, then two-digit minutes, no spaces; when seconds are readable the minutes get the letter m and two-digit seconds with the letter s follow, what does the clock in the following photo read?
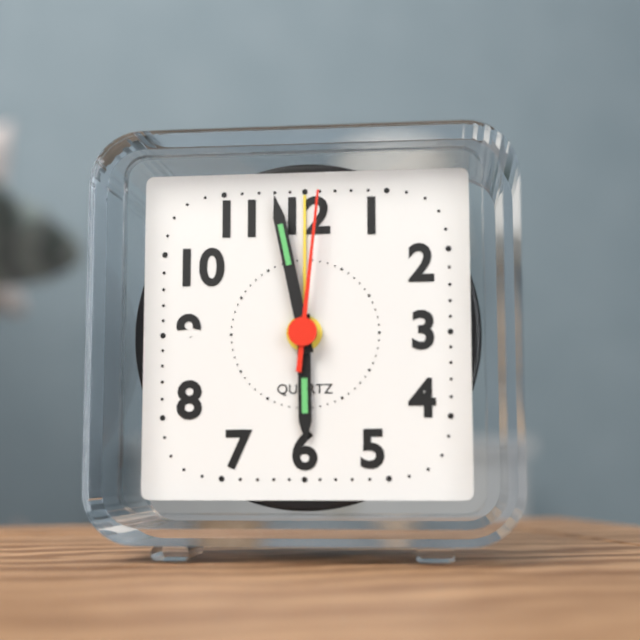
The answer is 5h58m01s
